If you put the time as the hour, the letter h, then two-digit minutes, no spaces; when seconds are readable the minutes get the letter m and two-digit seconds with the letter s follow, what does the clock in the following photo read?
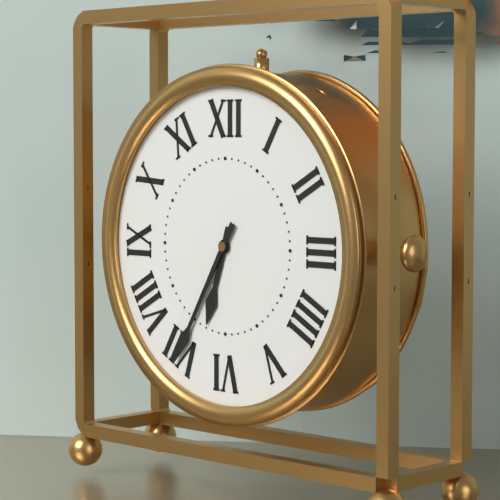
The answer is 6h35
